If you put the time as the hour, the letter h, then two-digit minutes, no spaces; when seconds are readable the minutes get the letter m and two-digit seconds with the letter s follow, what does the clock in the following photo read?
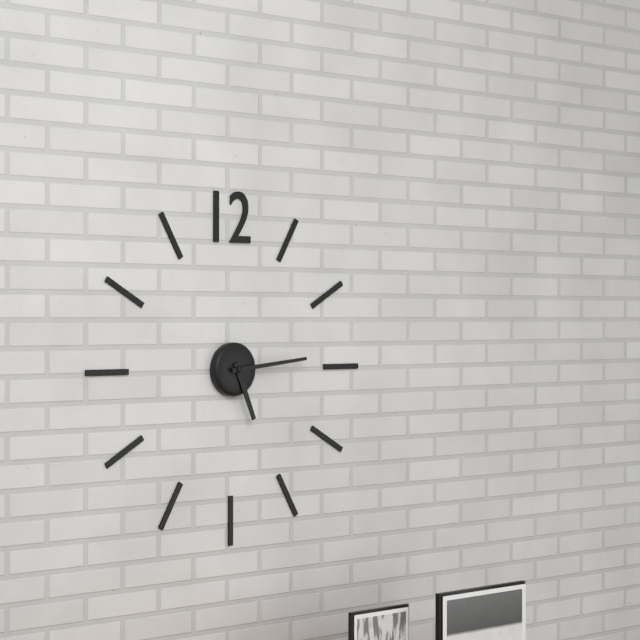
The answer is 5h14
